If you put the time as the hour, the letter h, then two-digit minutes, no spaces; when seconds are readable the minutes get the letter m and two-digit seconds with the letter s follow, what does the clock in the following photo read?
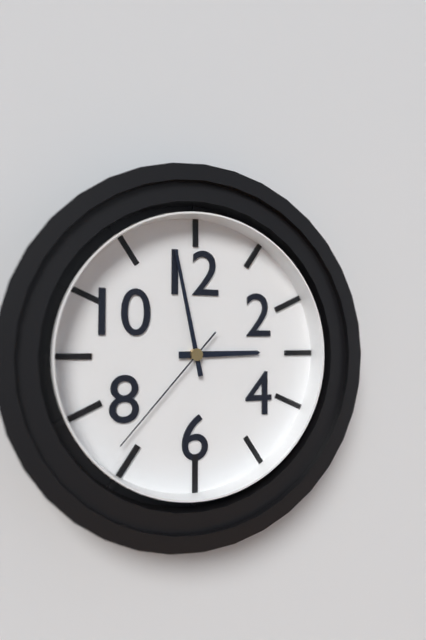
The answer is 2h58m37s
